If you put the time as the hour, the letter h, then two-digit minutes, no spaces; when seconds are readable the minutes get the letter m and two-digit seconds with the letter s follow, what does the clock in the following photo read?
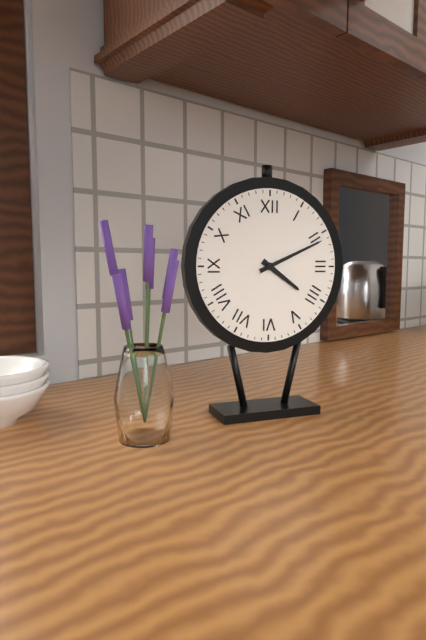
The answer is 4h11
